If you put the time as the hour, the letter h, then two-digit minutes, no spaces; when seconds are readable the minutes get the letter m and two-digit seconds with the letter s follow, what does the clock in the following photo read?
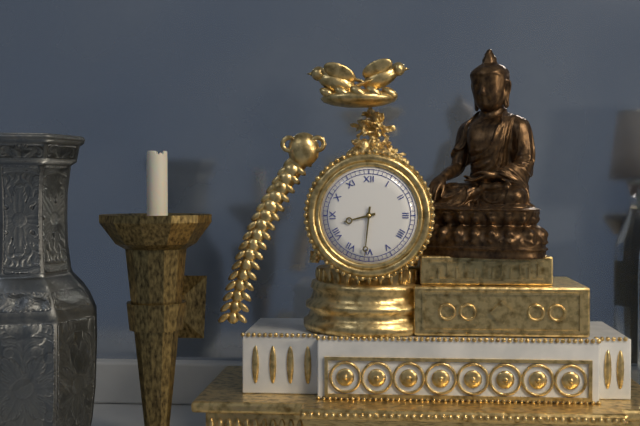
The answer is 8h31
